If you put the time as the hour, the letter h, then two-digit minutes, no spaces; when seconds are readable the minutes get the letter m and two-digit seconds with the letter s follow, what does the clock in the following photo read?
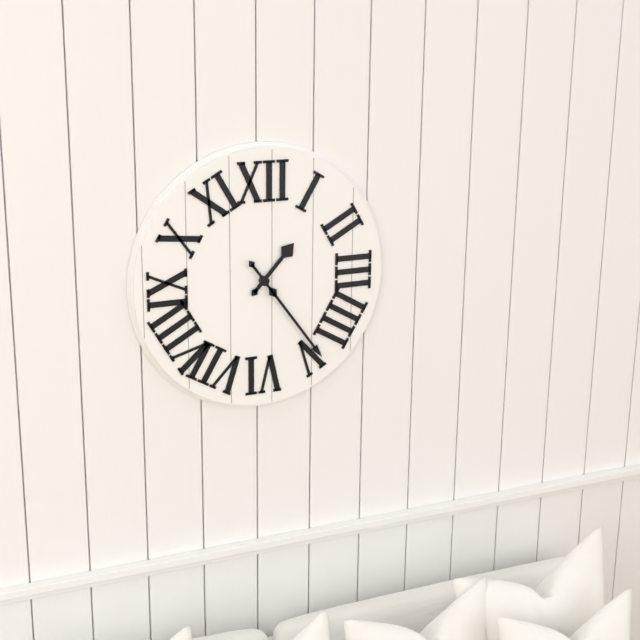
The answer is 1h24
